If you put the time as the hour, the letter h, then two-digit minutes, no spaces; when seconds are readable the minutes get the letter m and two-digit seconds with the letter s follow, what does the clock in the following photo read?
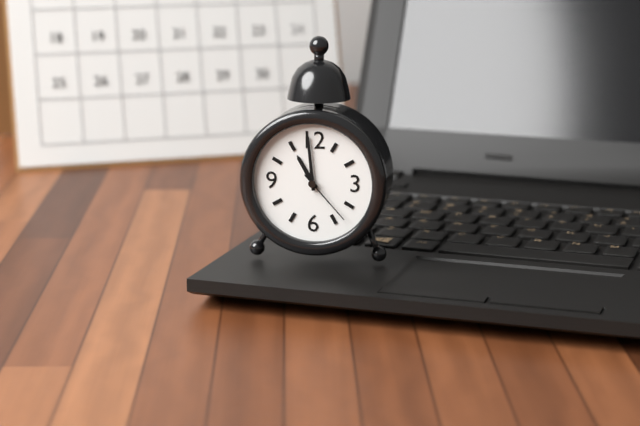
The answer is 10h59m23s
